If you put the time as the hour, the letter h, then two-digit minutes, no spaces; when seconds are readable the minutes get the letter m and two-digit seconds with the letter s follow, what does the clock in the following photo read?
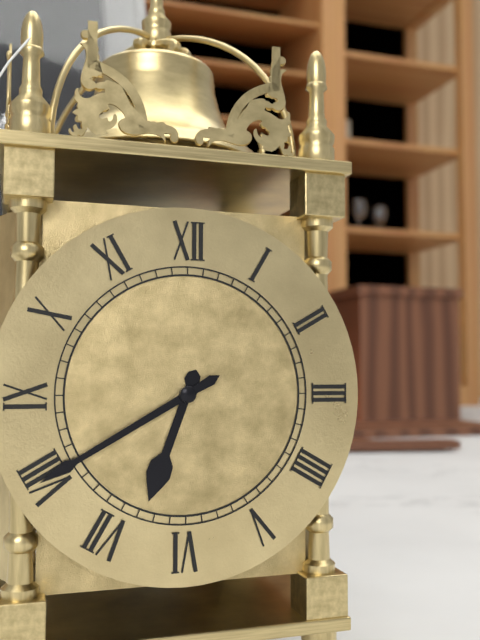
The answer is 6h40
